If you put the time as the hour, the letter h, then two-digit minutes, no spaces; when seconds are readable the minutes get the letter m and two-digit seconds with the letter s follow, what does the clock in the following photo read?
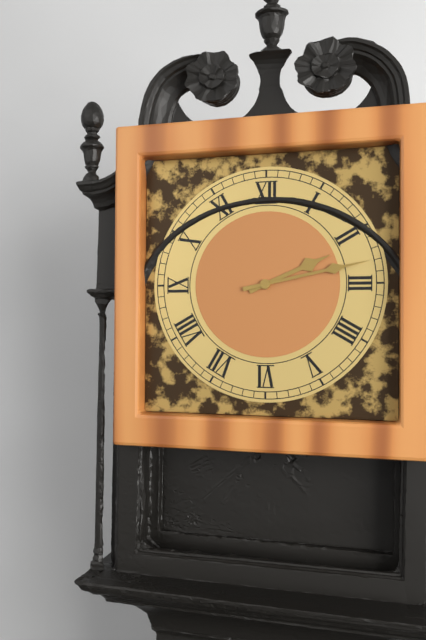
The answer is 2h13
